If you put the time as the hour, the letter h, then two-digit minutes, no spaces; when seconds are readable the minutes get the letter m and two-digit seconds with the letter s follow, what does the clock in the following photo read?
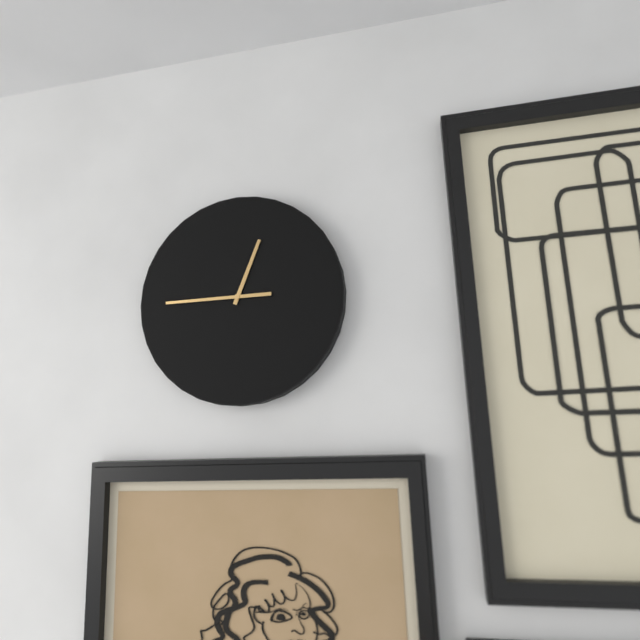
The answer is 12h45
